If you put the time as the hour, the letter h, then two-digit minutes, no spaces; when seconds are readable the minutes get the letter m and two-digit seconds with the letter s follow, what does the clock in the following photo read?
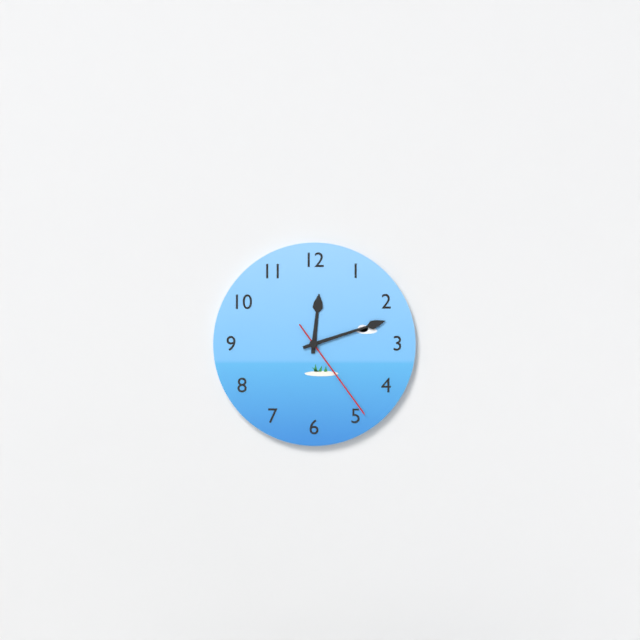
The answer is 12h12m24s
